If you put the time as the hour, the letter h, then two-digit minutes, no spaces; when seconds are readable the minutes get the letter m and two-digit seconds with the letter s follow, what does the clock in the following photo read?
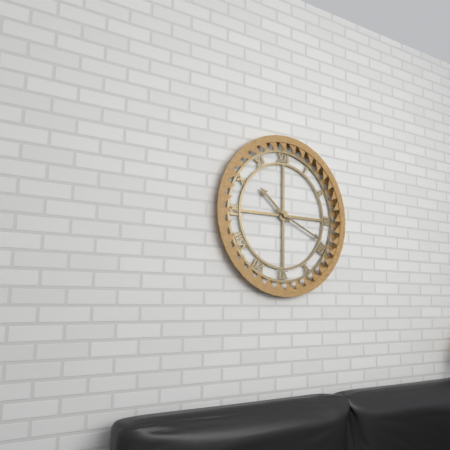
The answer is 10h19
